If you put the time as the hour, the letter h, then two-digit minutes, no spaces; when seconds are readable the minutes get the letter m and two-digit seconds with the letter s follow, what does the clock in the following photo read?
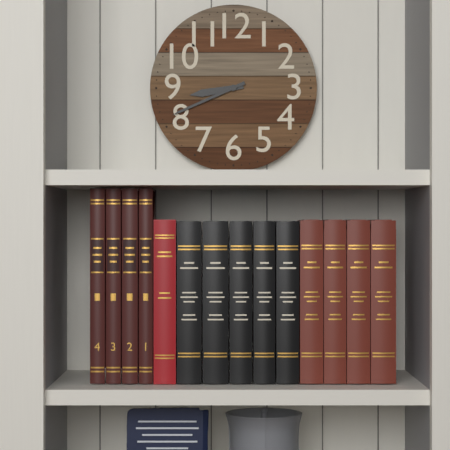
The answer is 8h41
